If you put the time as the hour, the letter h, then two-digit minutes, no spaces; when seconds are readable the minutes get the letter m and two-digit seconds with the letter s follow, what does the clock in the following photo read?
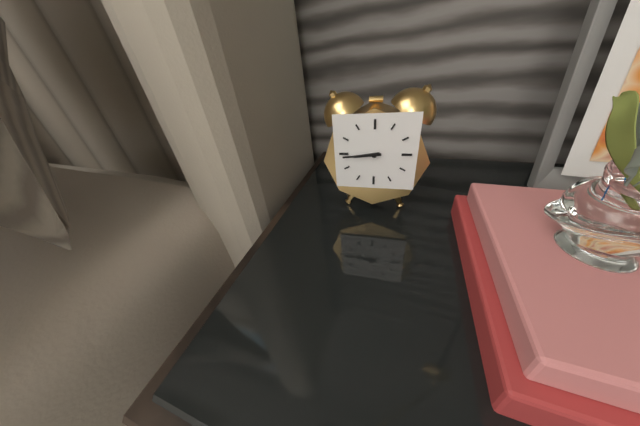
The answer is 8h44
